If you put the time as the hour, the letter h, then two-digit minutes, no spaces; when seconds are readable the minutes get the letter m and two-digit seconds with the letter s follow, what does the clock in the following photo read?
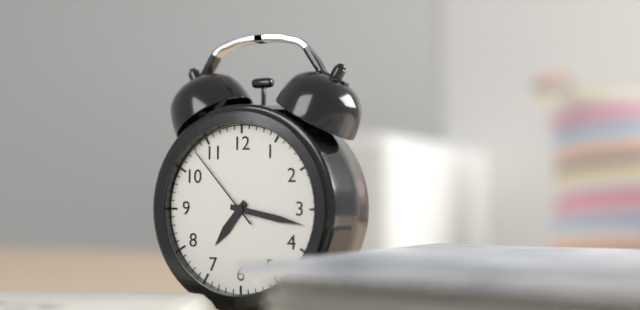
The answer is 7h17m53s
